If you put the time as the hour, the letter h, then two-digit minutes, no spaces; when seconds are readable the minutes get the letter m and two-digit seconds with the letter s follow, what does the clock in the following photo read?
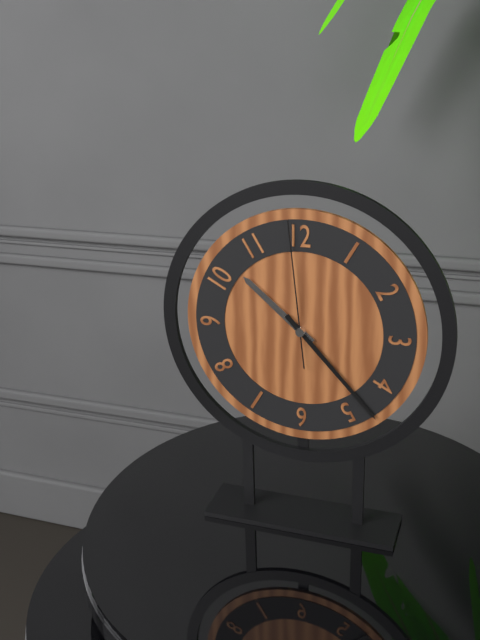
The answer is 10h23m59s
